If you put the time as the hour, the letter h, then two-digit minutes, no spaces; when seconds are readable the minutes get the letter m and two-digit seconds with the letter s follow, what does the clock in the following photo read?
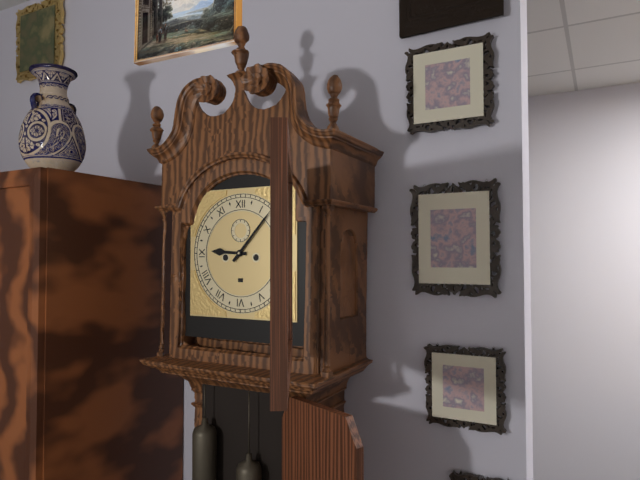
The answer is 9h07
